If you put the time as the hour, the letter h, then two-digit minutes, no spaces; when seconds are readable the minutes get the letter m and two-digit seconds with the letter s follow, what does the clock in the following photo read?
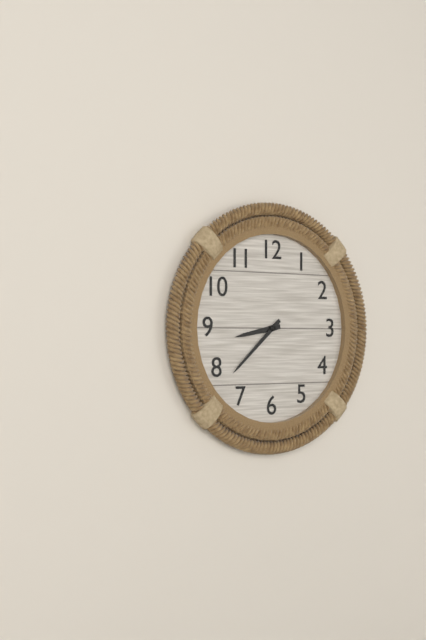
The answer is 8h38
